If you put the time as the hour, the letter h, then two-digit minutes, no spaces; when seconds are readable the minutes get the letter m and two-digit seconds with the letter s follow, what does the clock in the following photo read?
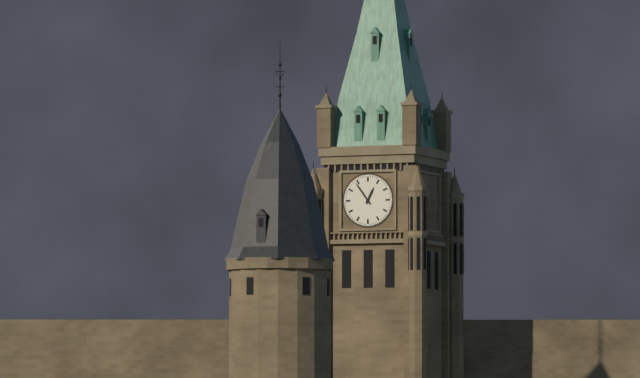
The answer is 12h54
